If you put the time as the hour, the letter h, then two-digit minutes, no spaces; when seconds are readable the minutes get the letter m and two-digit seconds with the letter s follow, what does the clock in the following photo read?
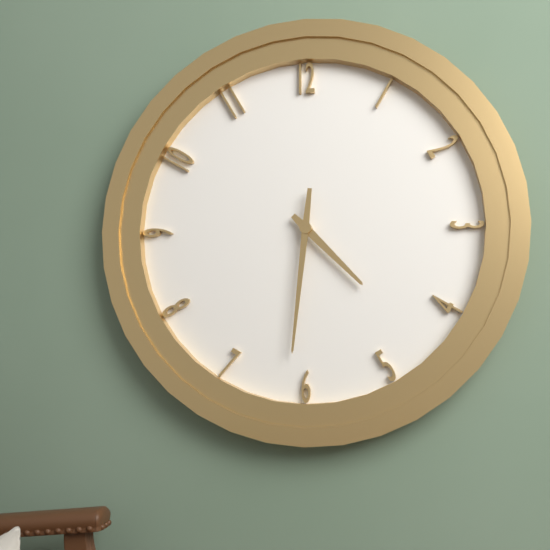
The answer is 4h31
